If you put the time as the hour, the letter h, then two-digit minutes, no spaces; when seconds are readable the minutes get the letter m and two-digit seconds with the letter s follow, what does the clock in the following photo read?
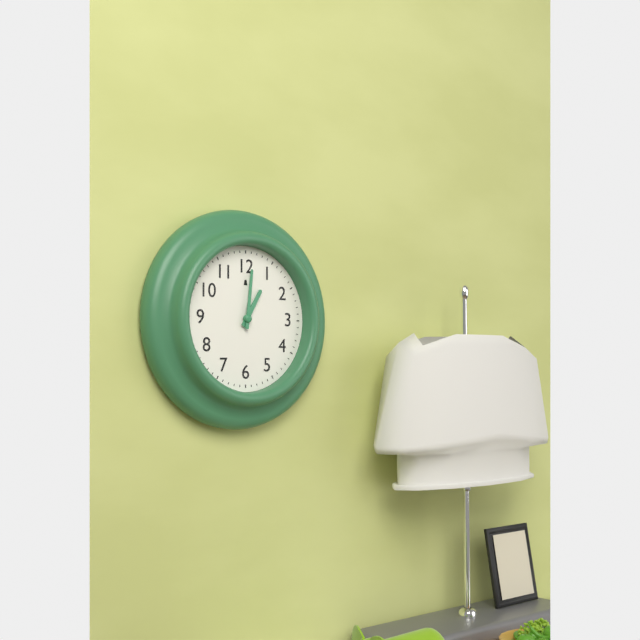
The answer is 1h01
